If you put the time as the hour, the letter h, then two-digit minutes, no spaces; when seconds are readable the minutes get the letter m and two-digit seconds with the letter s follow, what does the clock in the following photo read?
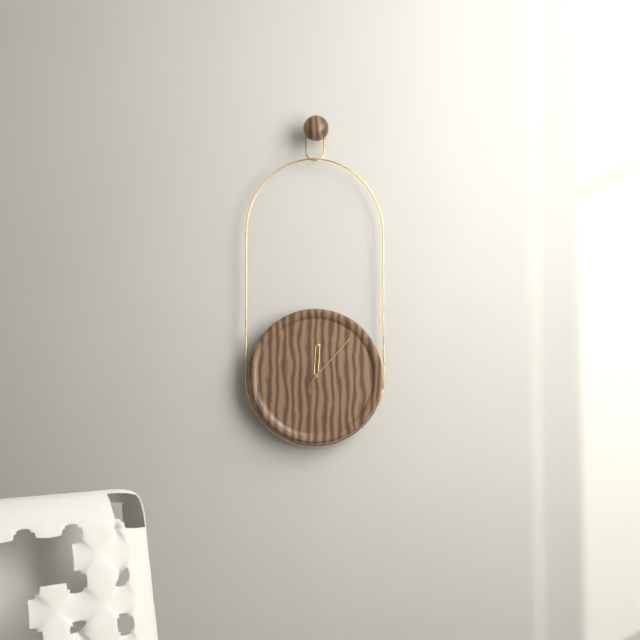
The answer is 12h07
